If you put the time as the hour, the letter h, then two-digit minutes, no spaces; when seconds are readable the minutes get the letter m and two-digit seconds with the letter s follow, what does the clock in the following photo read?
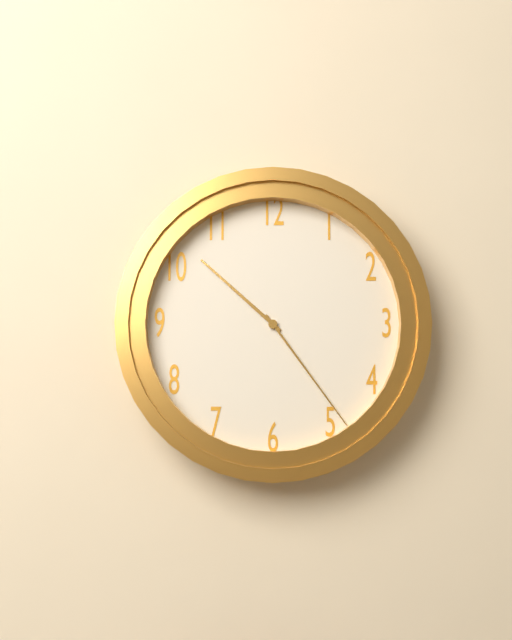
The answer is 10h24
